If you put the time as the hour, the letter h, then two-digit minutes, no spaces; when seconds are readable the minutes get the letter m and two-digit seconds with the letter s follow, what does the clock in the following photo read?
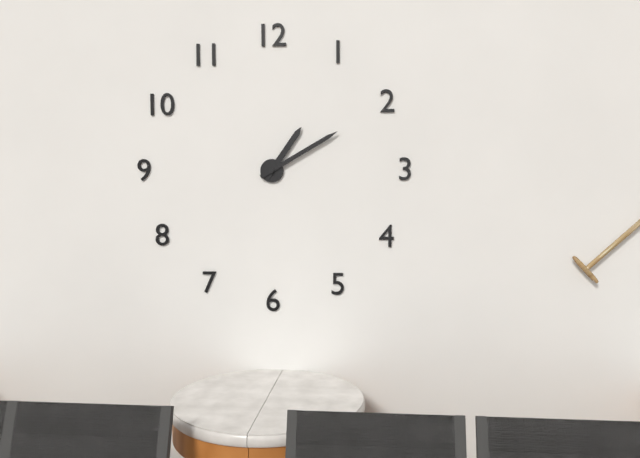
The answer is 1h10
